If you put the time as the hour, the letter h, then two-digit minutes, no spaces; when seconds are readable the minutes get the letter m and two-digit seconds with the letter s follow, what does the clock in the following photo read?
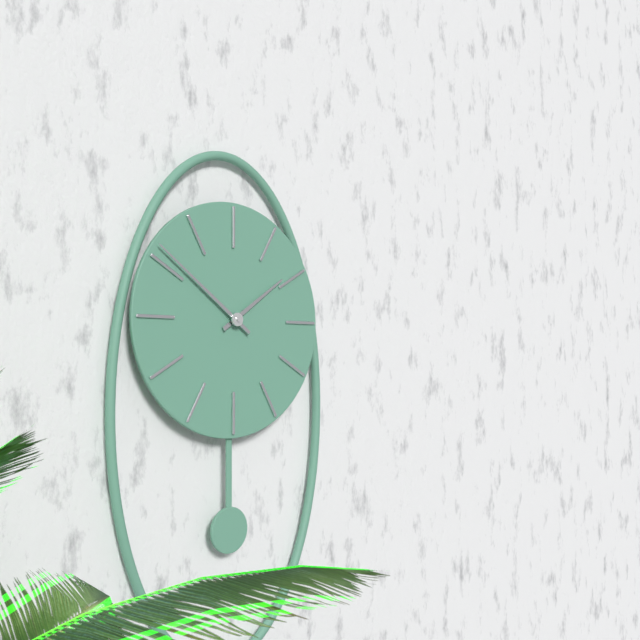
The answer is 1h51
